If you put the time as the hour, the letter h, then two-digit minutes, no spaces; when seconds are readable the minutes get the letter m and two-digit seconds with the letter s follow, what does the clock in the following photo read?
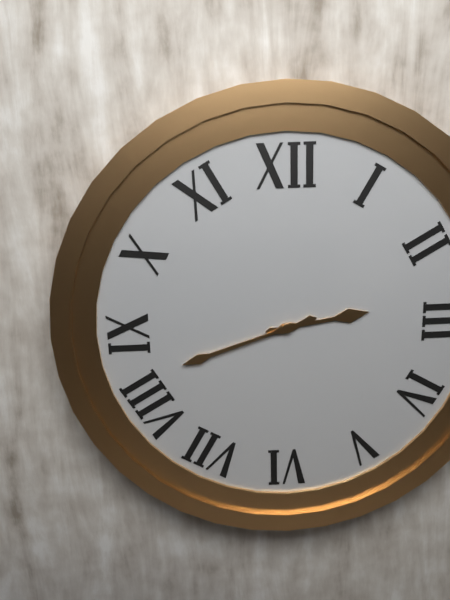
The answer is 2h42
